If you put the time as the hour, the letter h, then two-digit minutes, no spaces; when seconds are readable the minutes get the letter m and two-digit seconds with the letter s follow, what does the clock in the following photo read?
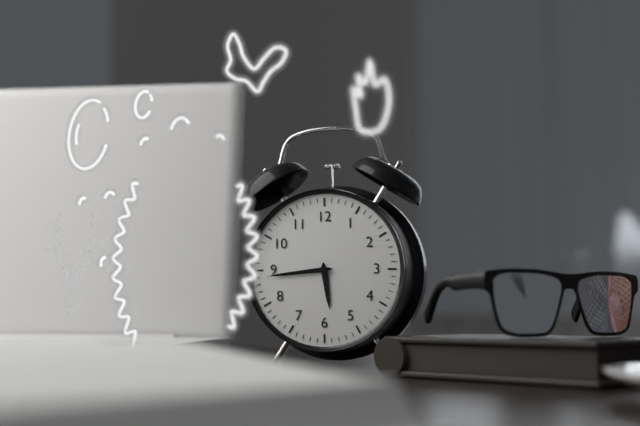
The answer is 5h44
